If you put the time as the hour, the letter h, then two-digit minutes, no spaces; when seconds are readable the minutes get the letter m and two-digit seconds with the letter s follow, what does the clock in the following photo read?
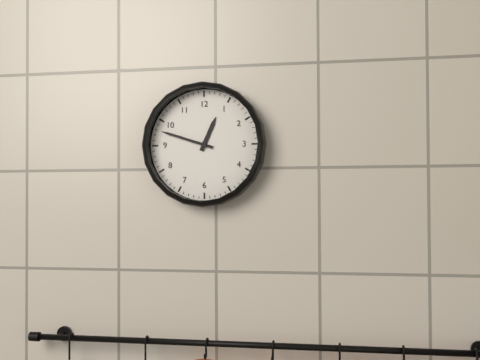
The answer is 12h48
